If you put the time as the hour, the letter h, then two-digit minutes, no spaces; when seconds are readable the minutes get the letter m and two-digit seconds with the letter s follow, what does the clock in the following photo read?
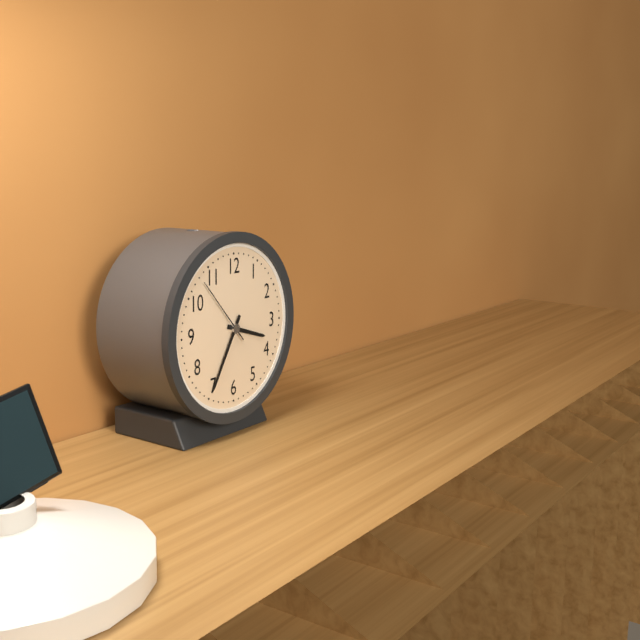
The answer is 3h35m53s
